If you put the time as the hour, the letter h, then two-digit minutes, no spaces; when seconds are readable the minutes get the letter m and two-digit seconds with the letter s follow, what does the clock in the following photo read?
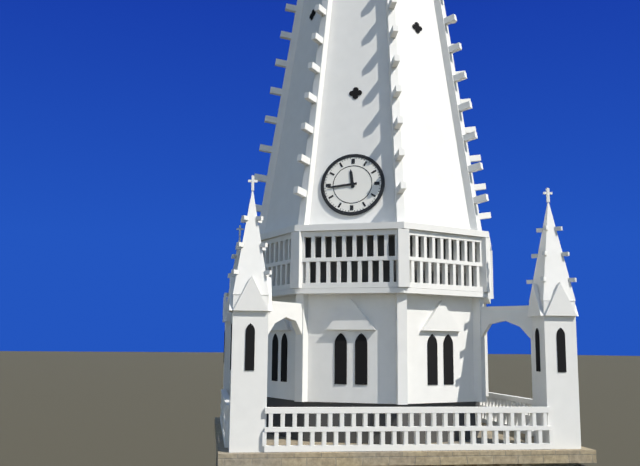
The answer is 11h44
